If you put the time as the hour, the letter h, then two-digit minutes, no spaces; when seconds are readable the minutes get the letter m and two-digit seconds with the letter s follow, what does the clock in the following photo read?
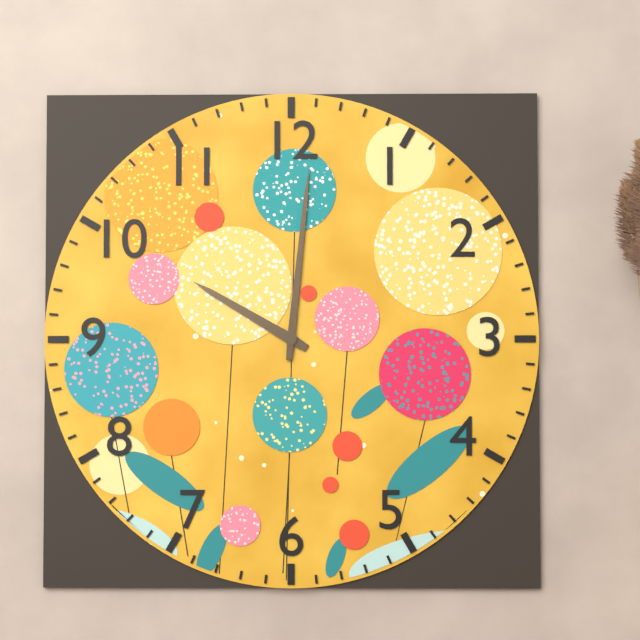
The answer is 10h01
